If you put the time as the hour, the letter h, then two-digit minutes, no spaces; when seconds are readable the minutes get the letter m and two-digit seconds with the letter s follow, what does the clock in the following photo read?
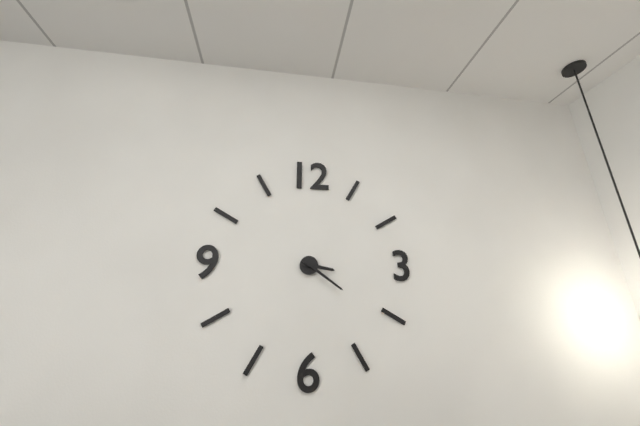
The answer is 3h21
